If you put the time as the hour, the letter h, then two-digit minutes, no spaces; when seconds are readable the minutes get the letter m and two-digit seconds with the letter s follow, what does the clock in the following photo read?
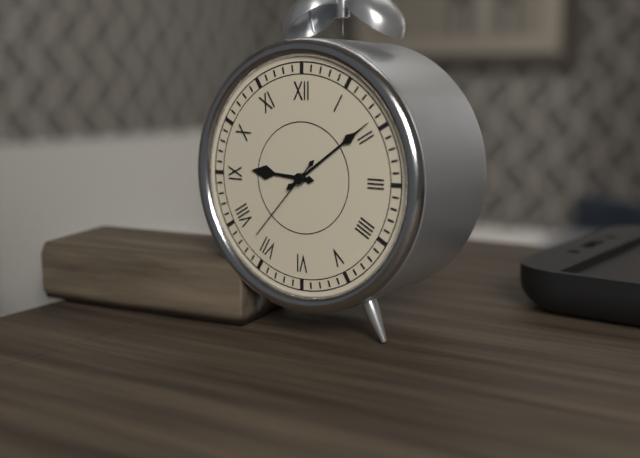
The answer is 9h09m37s
